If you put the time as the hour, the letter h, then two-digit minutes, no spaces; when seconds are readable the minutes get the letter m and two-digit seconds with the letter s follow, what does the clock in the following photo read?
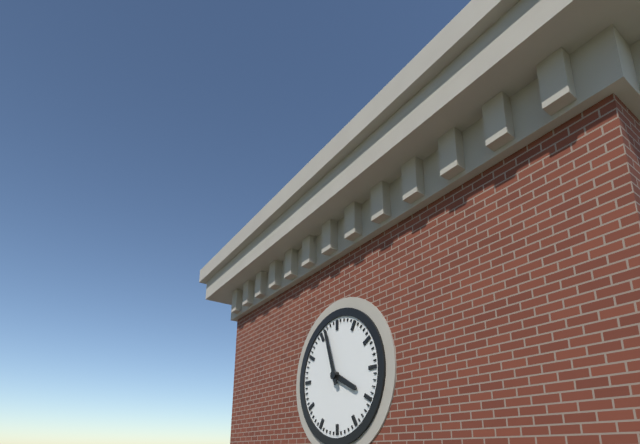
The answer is 3h57
